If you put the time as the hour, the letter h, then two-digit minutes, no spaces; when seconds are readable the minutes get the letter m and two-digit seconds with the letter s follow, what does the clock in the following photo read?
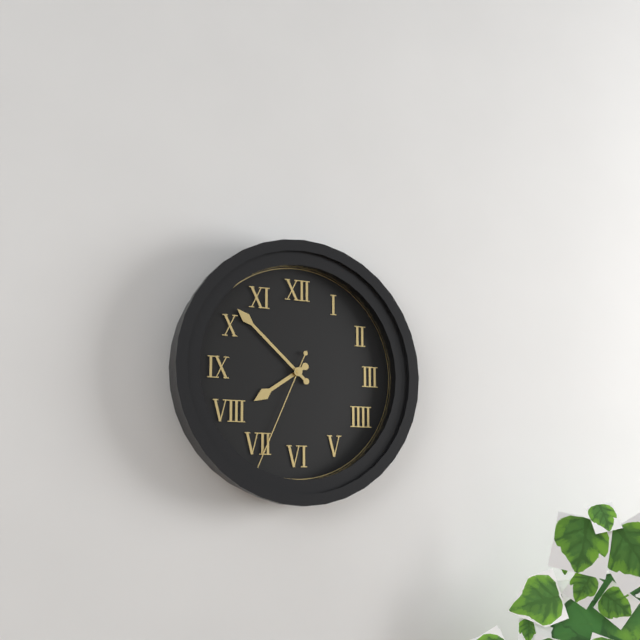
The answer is 7h52m34s
